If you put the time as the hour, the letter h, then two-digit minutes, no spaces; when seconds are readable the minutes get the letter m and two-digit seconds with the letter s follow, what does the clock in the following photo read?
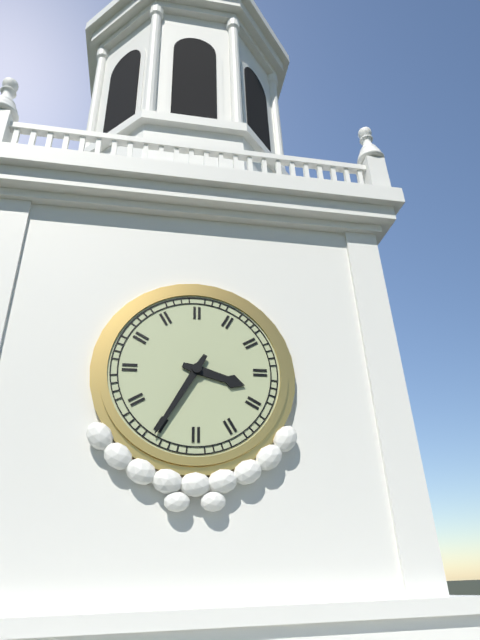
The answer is 3h35
